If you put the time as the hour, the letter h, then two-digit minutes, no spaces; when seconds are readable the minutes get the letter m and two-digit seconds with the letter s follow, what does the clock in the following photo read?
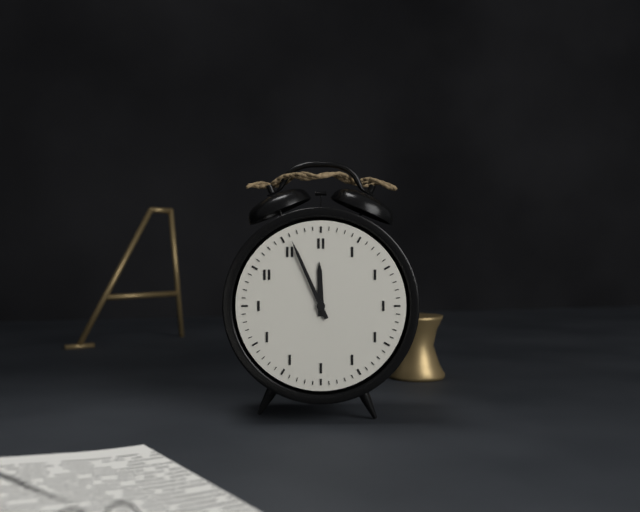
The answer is 11h56
